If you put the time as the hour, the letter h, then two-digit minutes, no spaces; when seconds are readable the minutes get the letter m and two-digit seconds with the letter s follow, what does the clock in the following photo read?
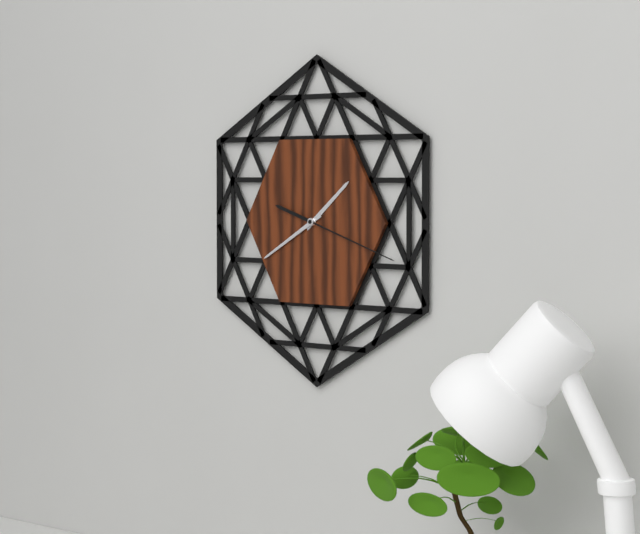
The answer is 1h40m18s
